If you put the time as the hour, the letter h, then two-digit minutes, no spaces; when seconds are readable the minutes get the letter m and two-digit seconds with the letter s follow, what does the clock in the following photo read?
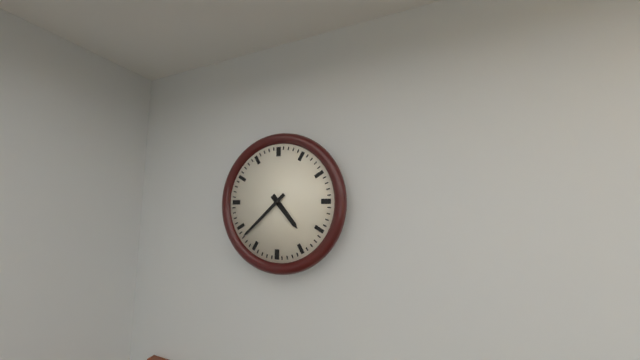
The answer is 4h38
